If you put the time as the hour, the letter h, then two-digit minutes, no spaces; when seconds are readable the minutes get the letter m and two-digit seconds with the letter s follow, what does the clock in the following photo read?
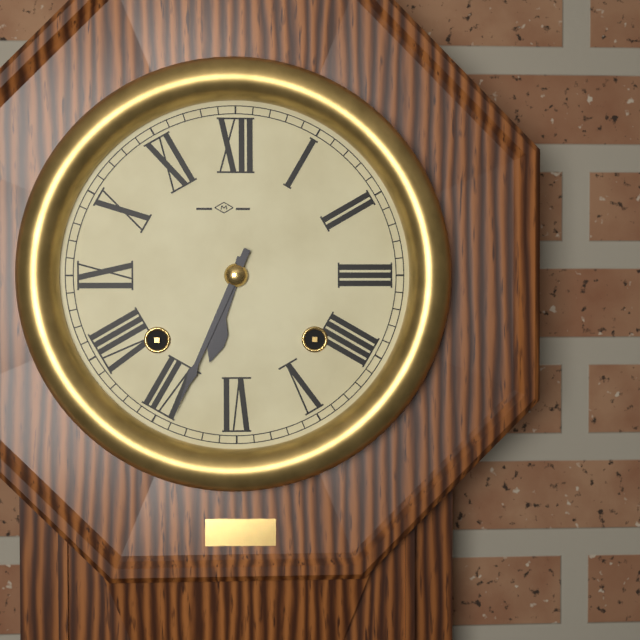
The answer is 6h34
